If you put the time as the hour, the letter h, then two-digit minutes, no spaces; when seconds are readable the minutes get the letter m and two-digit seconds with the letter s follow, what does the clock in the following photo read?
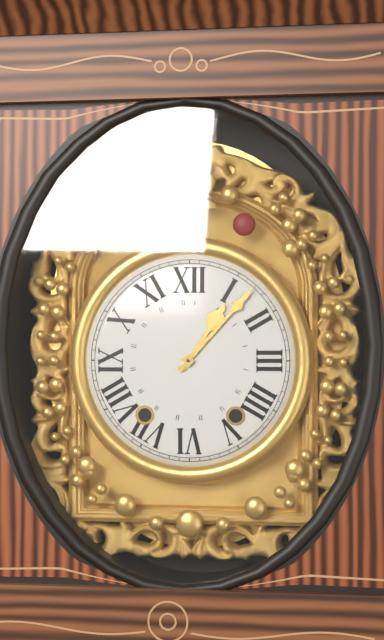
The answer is 1h07
